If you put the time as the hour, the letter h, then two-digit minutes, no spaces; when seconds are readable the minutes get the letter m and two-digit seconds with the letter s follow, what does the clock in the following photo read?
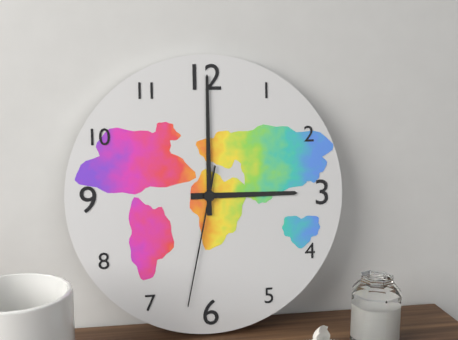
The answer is 3h00m32s
